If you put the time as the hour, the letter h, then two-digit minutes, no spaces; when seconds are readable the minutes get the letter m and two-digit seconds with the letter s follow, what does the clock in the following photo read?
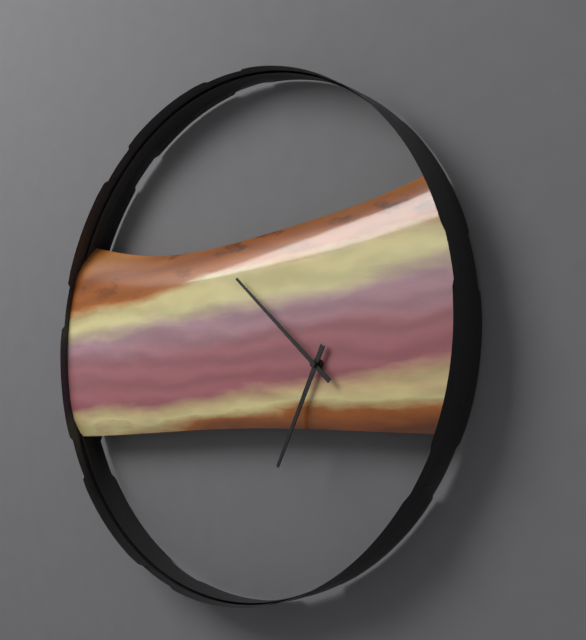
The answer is 6h52
